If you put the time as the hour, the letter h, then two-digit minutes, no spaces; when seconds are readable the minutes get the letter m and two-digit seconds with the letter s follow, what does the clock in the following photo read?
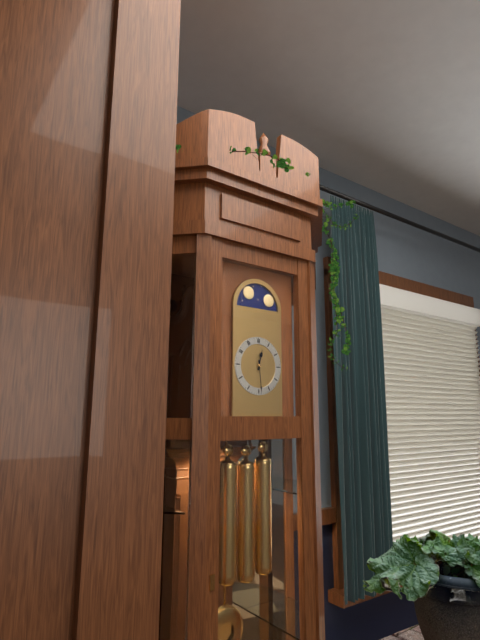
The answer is 12h29
